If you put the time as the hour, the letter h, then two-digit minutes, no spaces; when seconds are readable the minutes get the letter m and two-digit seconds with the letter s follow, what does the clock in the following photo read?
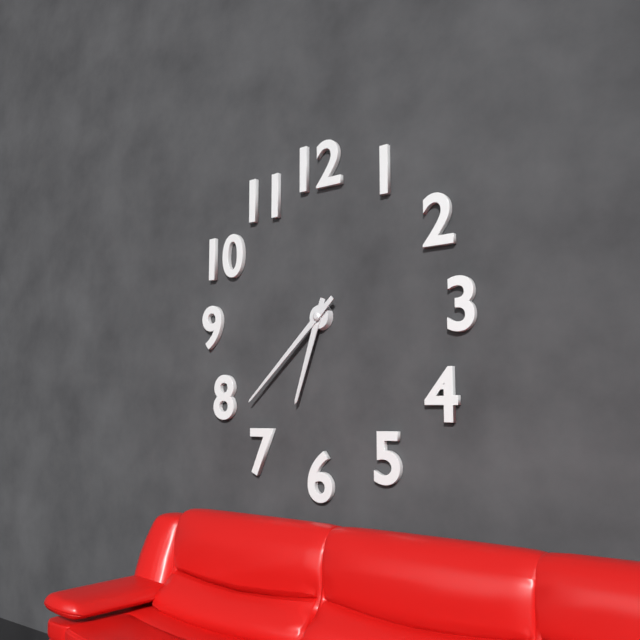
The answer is 6h38
